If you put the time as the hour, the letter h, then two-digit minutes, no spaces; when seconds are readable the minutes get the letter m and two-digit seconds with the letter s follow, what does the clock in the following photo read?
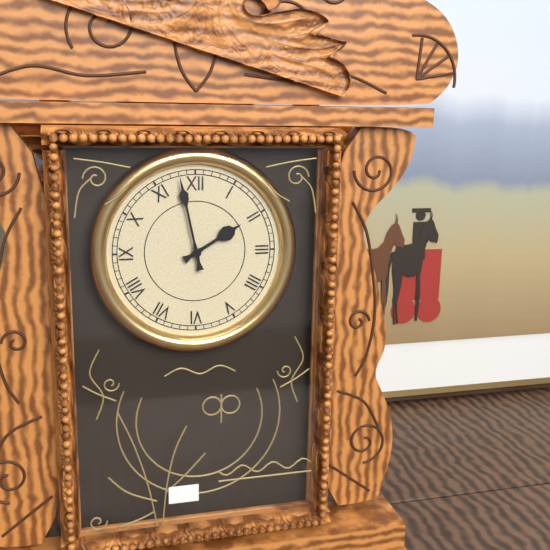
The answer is 1h58
